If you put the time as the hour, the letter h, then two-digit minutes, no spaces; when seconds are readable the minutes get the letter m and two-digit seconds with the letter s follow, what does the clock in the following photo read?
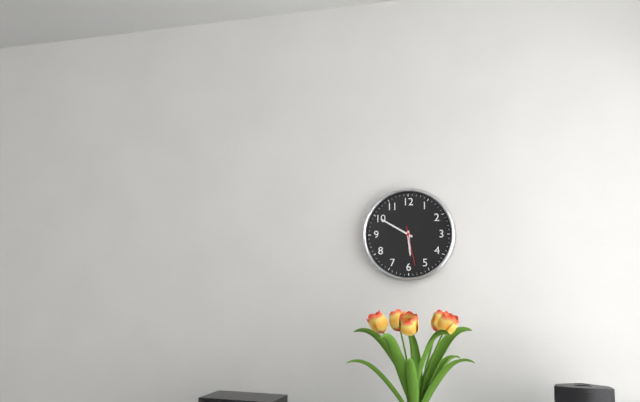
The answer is 5h50
